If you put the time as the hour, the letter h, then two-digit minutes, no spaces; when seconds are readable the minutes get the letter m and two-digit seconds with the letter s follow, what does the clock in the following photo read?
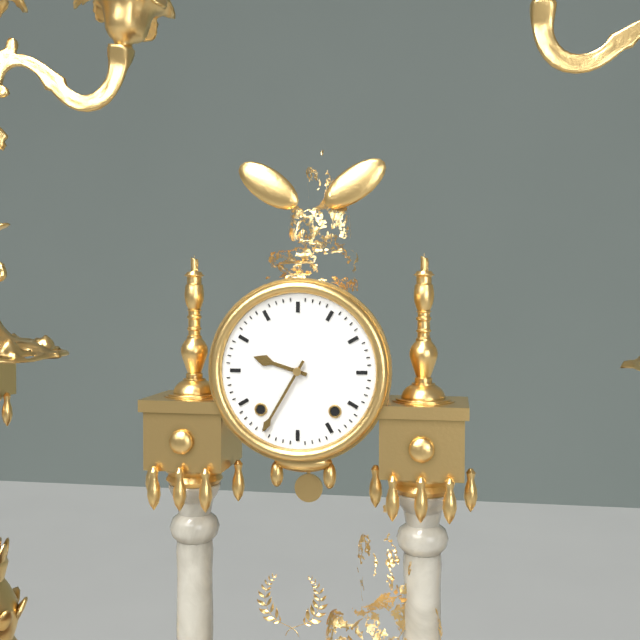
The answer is 9h35
